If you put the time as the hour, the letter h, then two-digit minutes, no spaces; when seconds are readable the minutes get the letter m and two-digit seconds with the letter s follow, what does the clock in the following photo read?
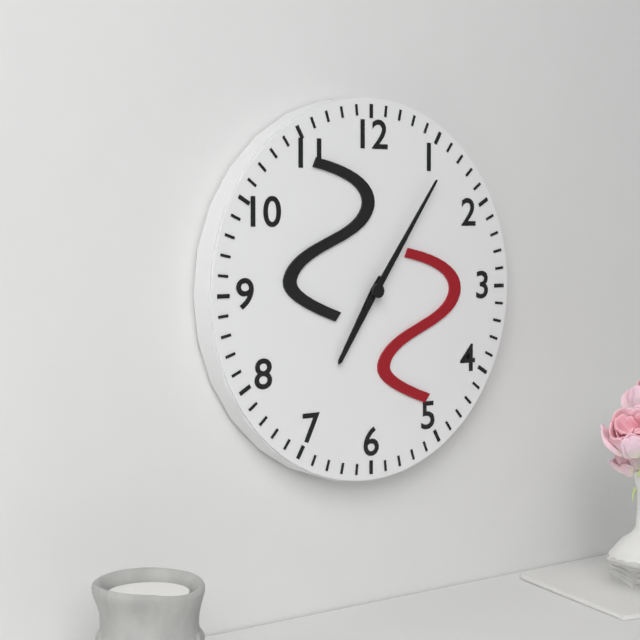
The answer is 7h06
